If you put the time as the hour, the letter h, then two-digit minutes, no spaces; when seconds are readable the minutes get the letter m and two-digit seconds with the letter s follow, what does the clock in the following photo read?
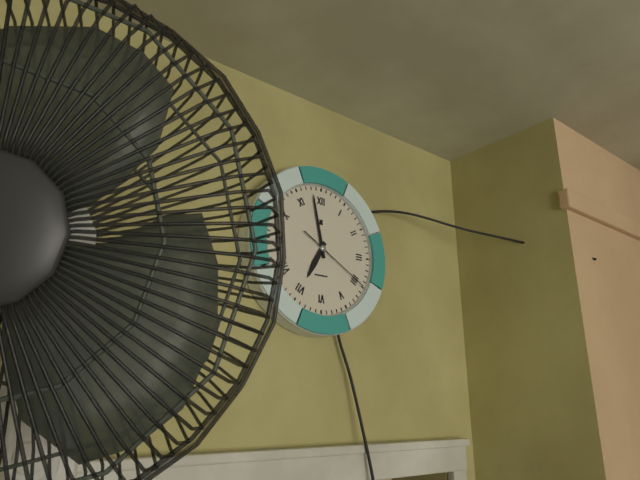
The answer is 6h58m20s
